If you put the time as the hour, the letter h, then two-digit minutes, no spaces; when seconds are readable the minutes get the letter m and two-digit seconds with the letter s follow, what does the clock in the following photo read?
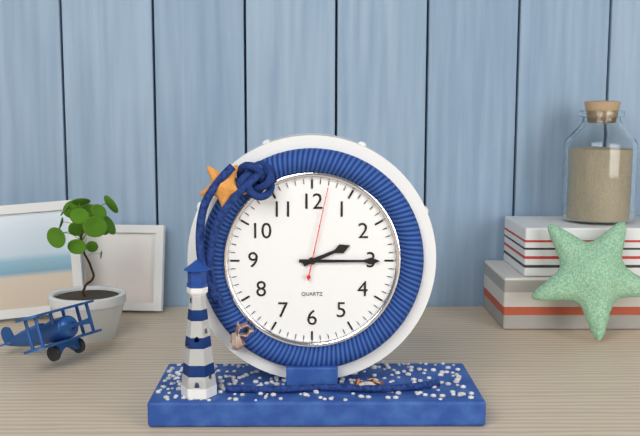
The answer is 2h15m02s
